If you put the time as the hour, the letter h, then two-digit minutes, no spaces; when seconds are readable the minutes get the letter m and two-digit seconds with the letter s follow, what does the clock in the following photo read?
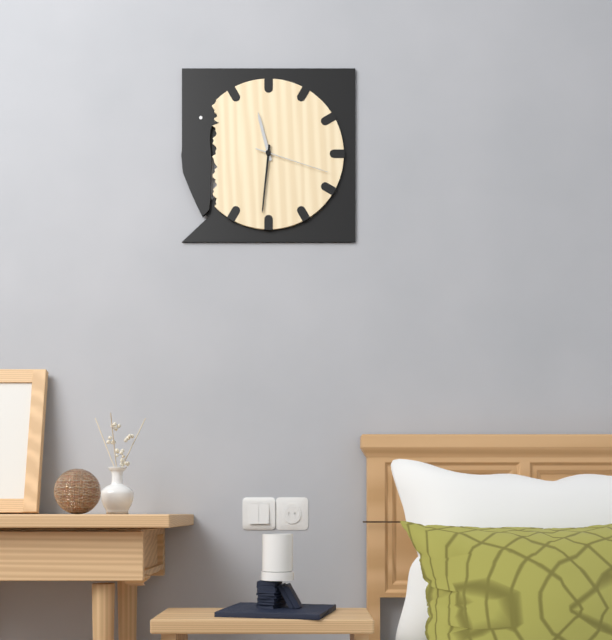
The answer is 11h31m18s
